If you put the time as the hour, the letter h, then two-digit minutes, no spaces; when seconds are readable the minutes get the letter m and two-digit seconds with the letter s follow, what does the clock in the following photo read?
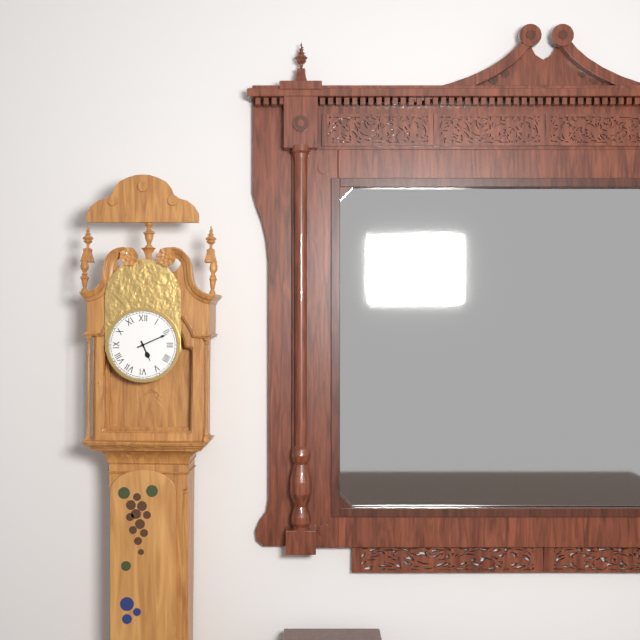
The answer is 5h11
